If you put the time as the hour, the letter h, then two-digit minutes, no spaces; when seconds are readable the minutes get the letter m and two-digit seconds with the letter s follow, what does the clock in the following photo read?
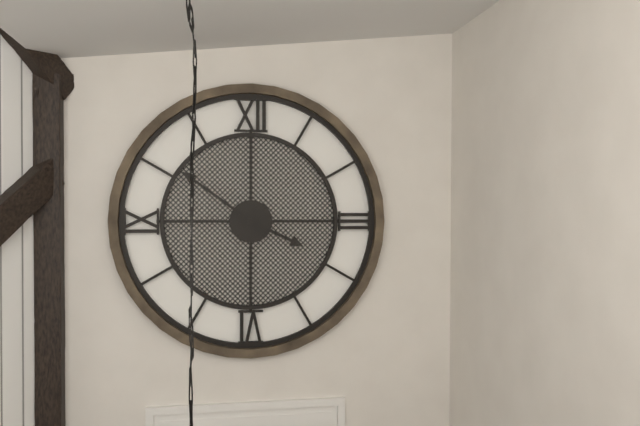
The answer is 3h51
